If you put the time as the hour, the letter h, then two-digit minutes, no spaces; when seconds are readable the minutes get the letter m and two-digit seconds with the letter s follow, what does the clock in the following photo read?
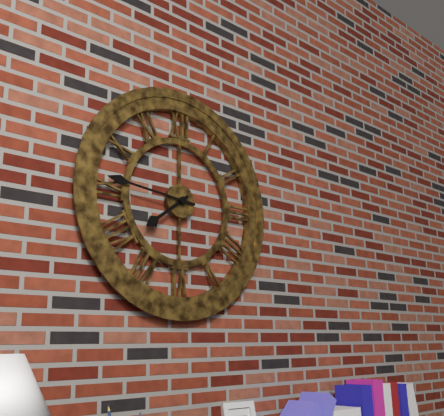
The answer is 7h46
